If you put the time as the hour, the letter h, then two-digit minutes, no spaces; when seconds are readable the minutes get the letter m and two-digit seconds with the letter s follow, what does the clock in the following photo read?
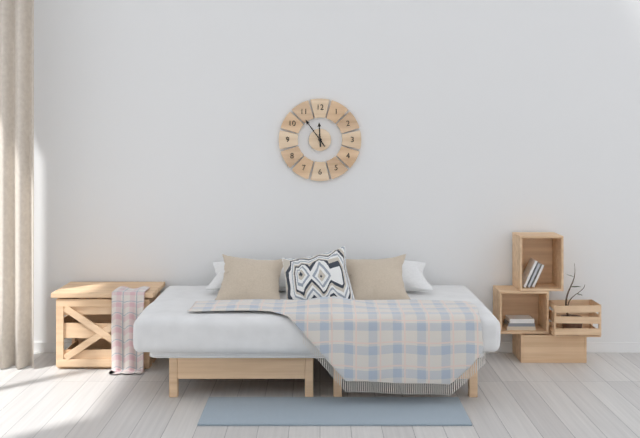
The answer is 11h54
